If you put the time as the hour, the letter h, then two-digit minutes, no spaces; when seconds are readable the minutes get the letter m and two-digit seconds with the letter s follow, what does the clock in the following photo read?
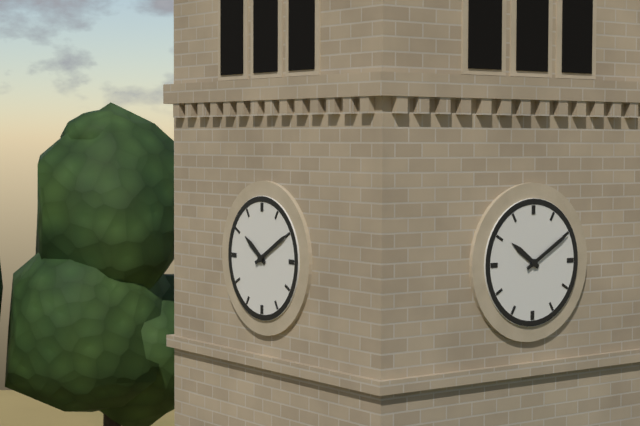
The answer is 10h10
